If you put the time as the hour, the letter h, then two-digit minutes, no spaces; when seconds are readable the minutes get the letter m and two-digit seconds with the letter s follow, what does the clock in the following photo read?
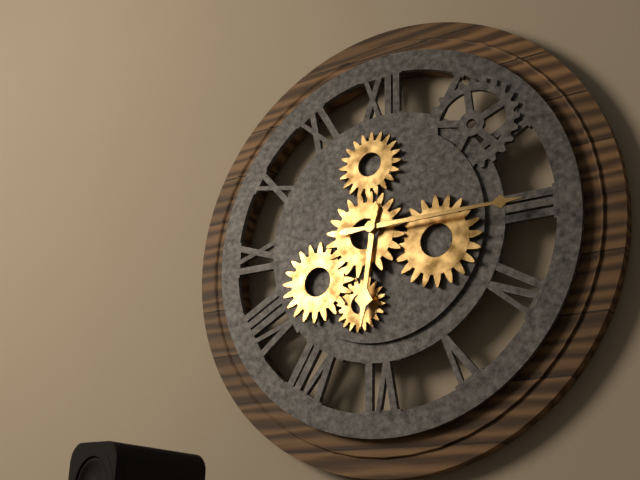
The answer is 6h15
